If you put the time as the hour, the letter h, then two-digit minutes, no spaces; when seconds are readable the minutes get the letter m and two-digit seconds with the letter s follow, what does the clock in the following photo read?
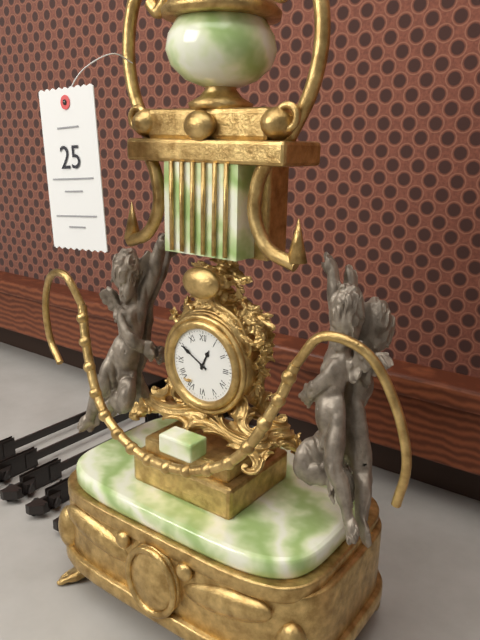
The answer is 12h50
